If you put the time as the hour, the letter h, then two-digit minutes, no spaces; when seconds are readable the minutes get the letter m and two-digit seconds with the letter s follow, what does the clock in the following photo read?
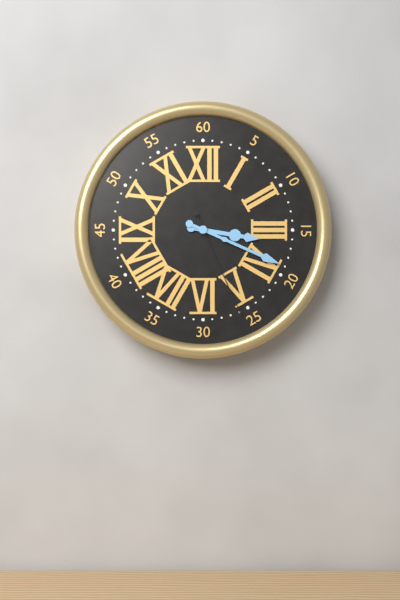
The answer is 3h19m26s
